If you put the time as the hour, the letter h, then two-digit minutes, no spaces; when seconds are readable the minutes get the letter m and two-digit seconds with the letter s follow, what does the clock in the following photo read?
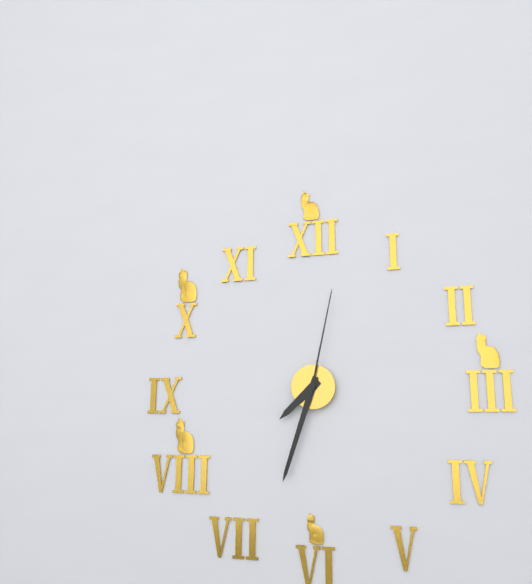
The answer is 7h33m02s
